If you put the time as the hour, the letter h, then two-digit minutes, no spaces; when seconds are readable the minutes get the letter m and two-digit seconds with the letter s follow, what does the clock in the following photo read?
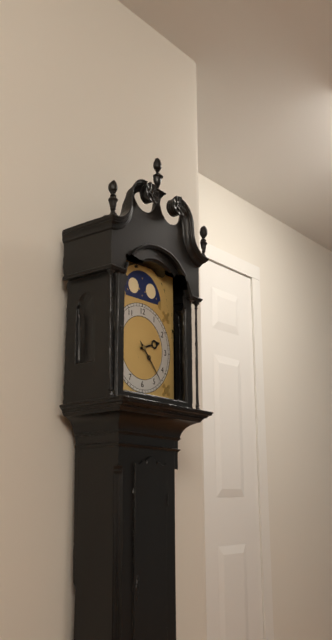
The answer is 2h23
